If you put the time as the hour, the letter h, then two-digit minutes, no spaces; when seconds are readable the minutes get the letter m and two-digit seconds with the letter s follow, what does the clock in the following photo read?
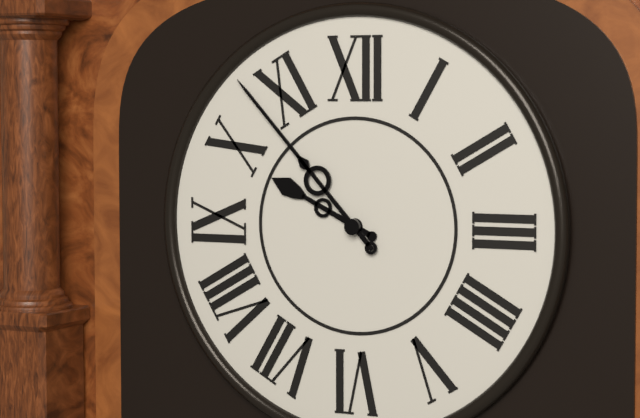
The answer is 9h53
